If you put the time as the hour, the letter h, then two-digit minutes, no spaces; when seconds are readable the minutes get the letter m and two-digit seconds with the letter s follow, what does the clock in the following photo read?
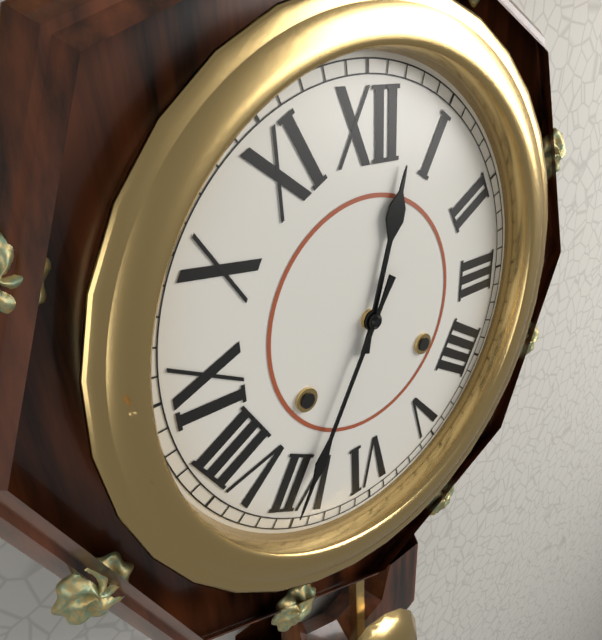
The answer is 12h35
